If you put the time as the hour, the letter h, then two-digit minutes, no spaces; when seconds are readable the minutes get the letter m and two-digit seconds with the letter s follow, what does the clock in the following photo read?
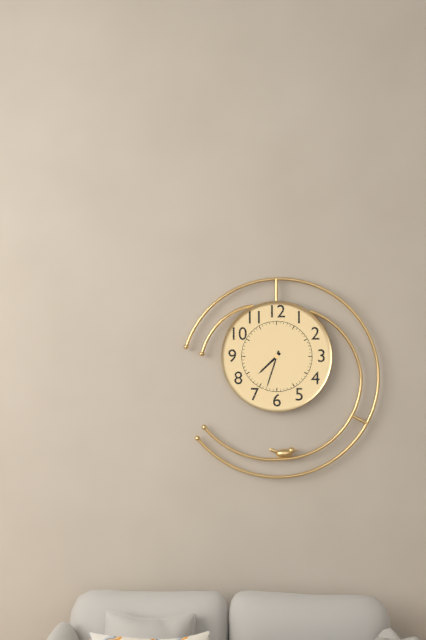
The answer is 7h33
